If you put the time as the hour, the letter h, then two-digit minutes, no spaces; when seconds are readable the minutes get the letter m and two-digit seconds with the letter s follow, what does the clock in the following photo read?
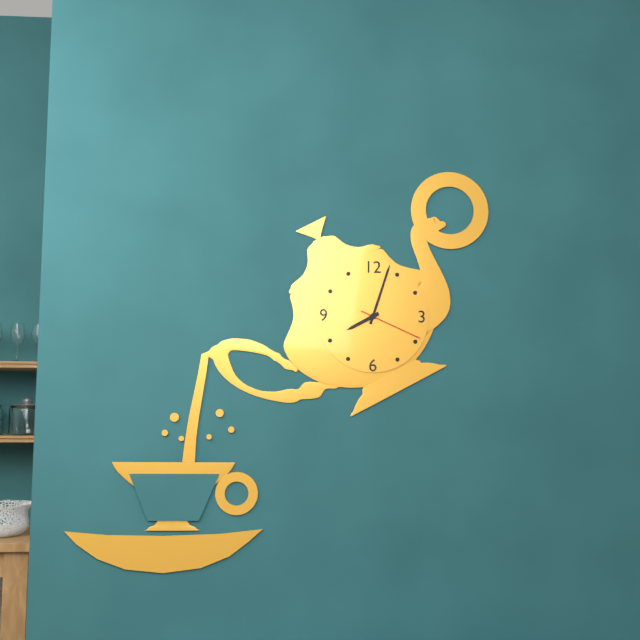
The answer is 8h03m19s
